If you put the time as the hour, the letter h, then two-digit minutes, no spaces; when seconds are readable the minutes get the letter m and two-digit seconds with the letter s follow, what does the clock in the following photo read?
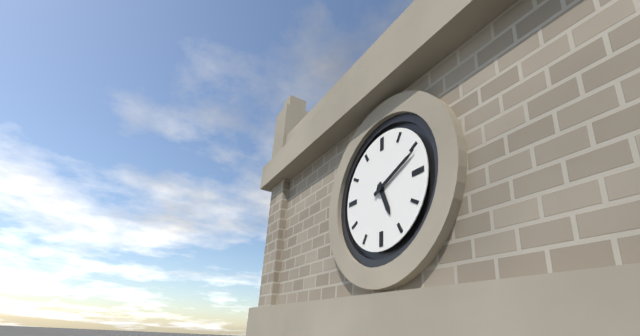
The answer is 5h11
